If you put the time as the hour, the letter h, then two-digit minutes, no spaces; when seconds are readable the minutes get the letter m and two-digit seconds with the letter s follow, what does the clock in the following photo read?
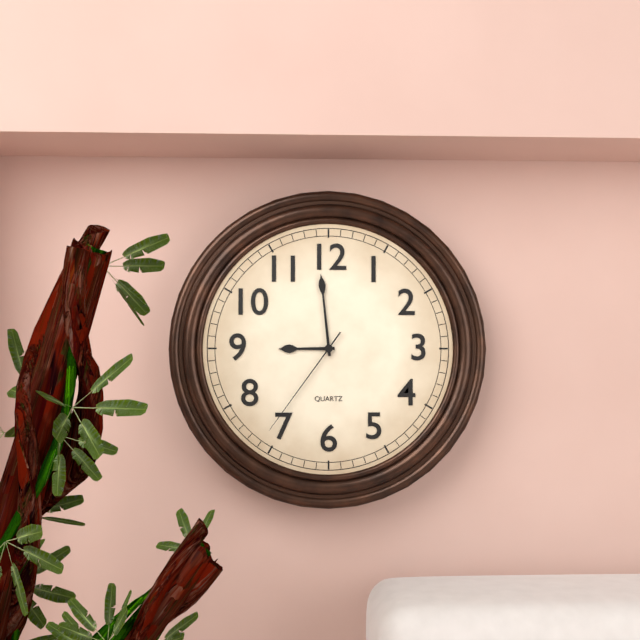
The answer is 8h59m36s
